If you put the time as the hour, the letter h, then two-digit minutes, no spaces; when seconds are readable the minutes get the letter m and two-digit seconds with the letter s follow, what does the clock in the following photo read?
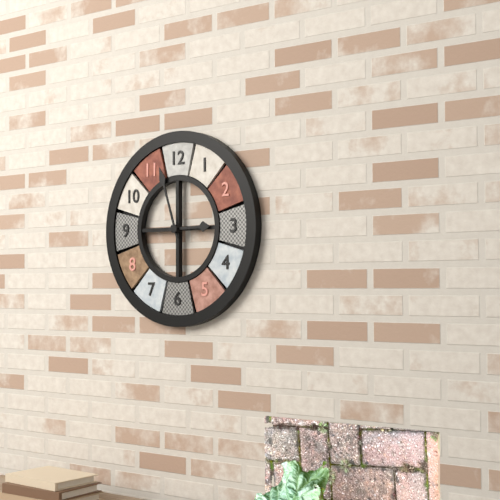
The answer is 2h57
